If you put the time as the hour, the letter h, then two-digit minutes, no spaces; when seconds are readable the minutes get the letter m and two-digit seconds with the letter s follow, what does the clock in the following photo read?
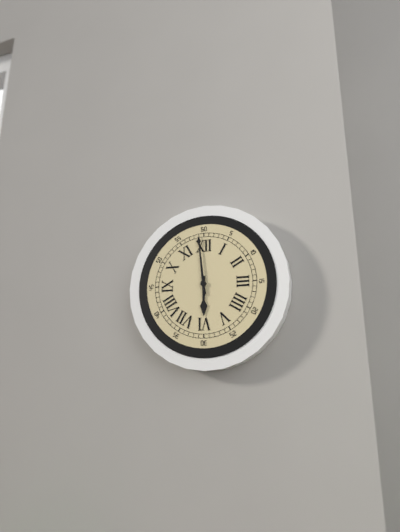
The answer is 5h59
